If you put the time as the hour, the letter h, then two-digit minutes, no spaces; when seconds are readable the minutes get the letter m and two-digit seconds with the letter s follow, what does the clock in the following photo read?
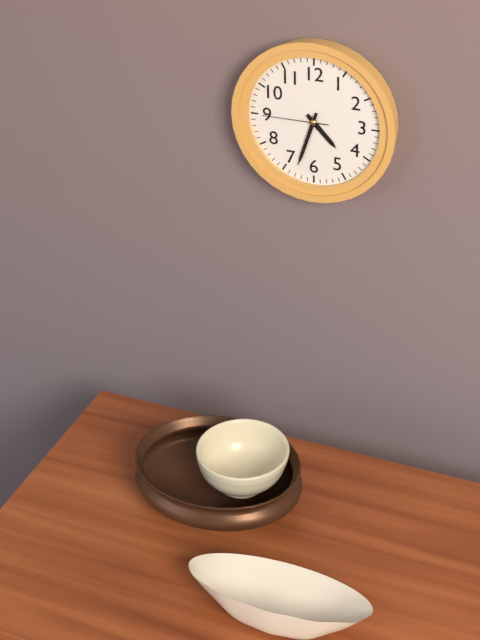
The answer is 4h33m45s
